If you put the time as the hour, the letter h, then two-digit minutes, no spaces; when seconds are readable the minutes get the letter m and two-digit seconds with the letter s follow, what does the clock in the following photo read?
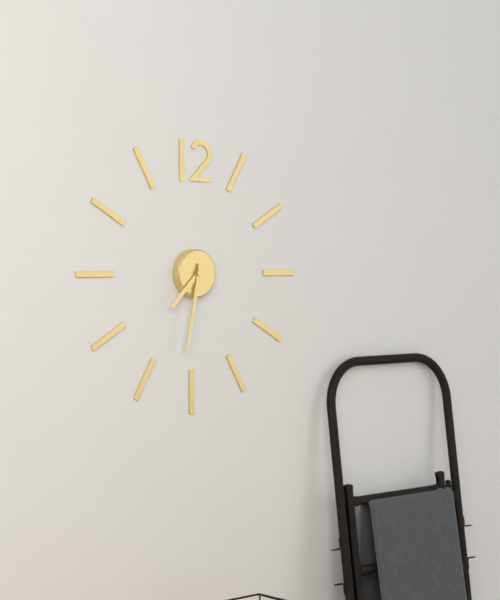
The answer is 7h32
